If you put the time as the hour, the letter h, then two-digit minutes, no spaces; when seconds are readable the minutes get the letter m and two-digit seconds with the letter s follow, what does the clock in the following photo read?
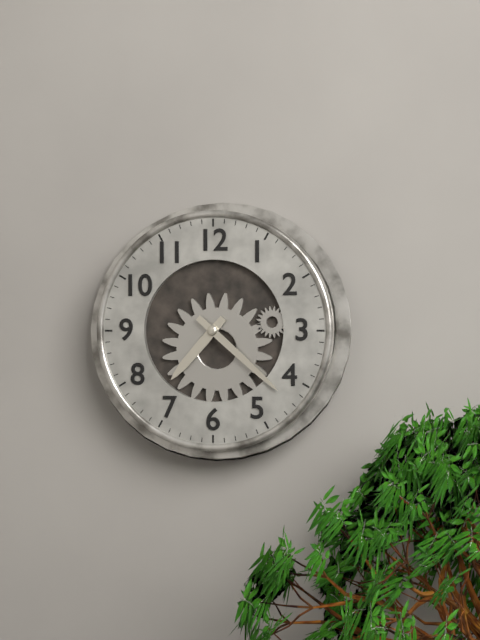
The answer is 7h22
